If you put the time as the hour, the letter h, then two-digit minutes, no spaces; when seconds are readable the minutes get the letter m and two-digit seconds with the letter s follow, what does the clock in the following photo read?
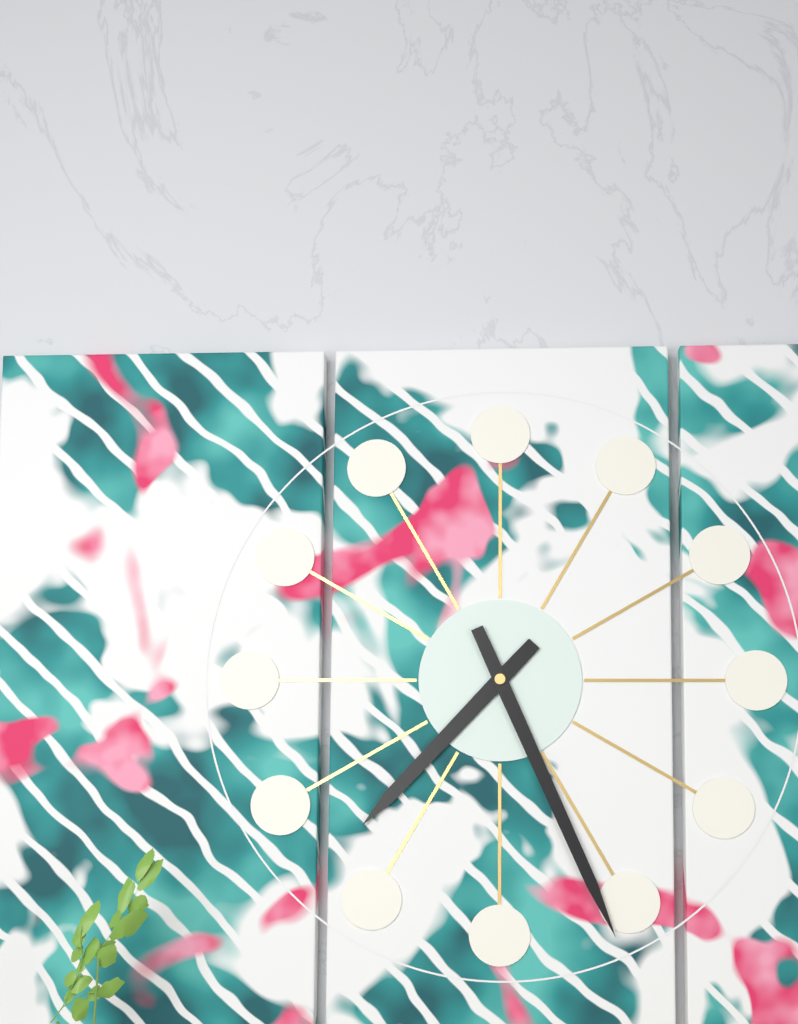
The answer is 7h26
